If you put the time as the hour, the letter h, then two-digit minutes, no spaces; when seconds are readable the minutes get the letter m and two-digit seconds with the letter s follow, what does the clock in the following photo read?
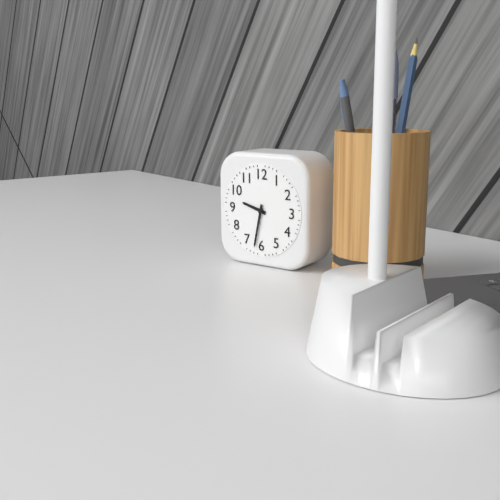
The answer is 9h32
